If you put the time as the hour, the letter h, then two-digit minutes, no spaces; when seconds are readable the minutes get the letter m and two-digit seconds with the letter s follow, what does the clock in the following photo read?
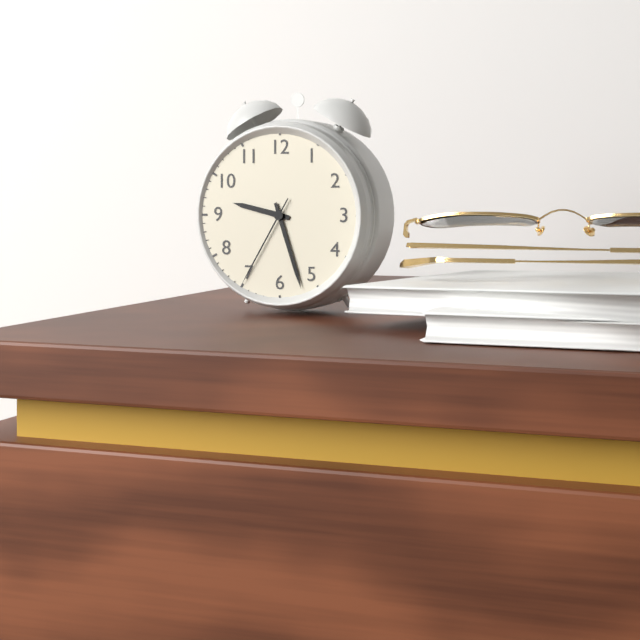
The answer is 9h27m35s
